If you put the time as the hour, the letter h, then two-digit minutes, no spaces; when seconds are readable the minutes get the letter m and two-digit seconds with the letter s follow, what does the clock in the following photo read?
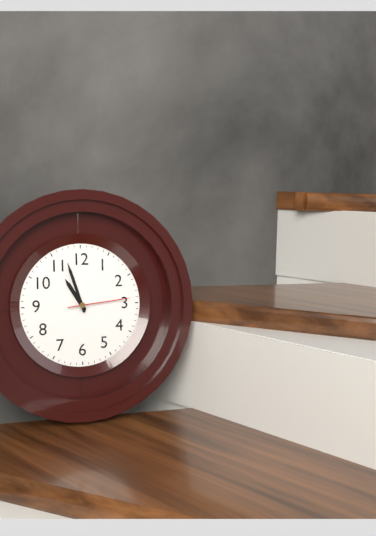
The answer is 10h57m14s
